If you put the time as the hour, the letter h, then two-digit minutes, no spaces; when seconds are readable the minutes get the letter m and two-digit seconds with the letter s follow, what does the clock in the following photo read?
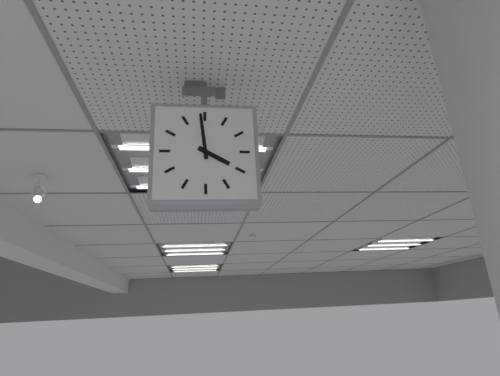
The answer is 3h59
